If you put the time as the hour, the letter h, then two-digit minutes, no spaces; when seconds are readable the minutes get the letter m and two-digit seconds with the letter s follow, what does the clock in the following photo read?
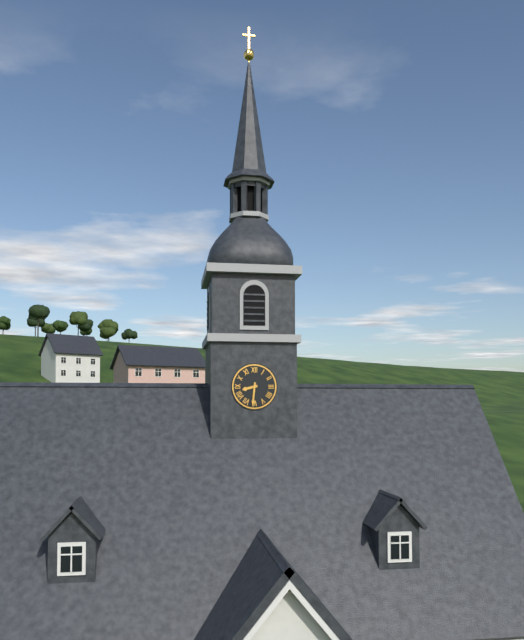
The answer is 8h31
